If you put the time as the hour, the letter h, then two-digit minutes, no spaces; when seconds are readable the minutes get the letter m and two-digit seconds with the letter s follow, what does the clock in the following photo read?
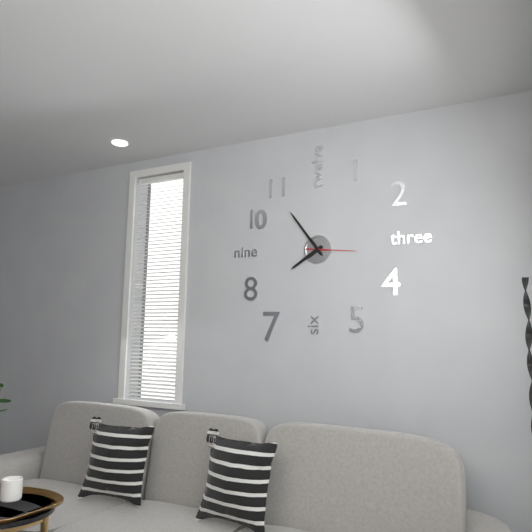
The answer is 7h54m16s
